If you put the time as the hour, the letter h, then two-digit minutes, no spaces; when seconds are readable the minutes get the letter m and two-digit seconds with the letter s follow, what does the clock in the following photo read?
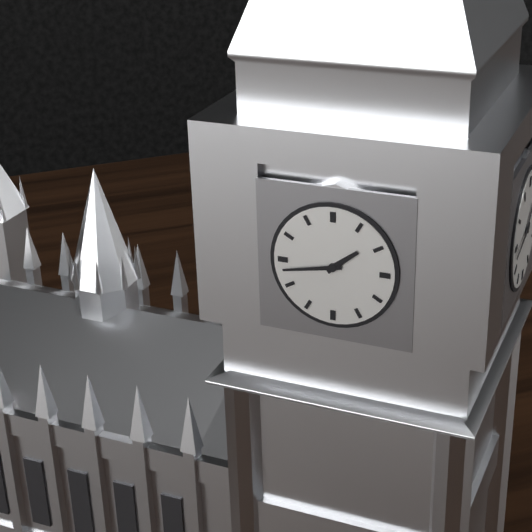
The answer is 1h43
